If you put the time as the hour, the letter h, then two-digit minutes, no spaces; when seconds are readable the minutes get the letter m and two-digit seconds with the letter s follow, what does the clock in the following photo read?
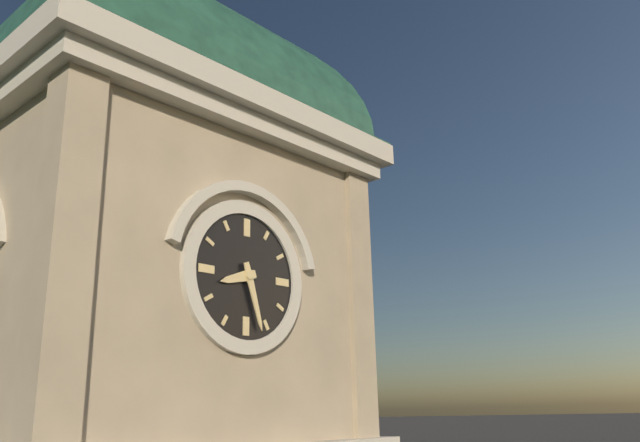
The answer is 8h27
